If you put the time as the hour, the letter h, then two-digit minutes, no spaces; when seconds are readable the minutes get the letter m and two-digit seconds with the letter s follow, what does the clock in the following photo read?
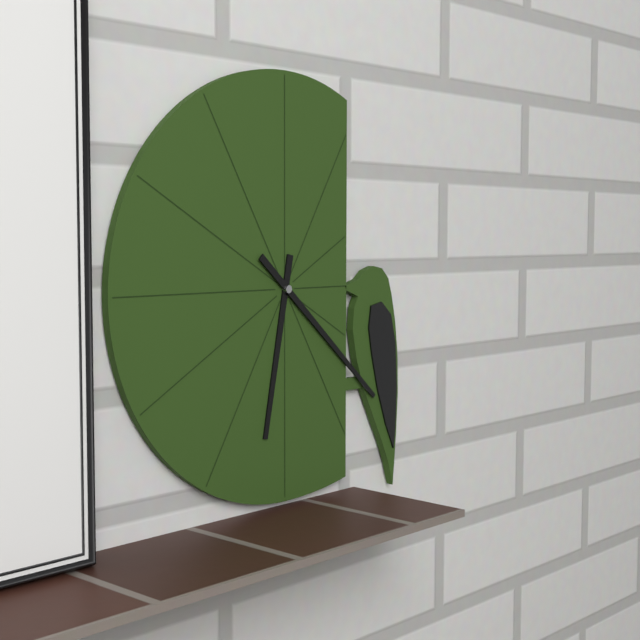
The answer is 6h22
